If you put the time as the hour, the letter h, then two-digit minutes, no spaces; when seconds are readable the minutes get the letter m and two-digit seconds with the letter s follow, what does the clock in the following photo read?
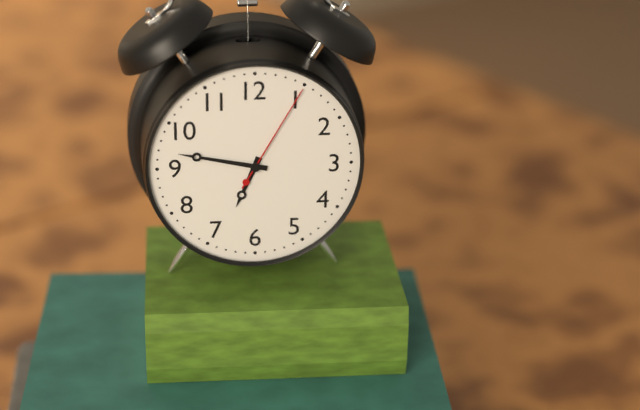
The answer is 6h47m05s
